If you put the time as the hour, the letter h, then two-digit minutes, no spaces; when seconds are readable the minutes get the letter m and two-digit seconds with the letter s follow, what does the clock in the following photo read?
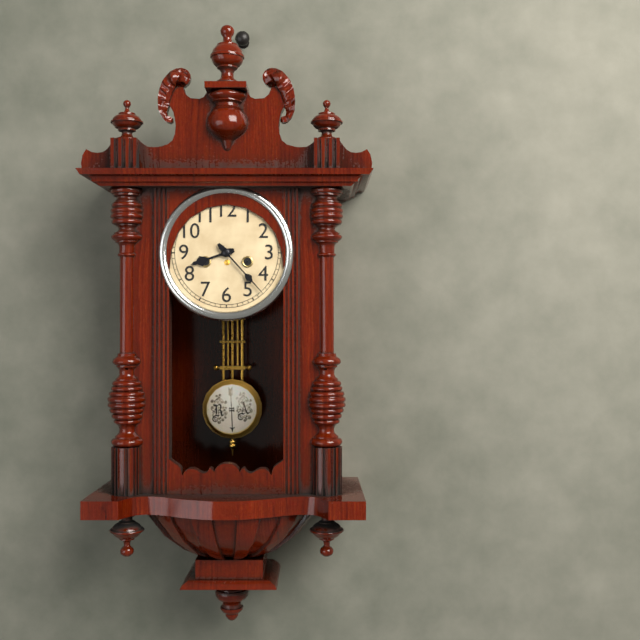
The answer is 8h23
